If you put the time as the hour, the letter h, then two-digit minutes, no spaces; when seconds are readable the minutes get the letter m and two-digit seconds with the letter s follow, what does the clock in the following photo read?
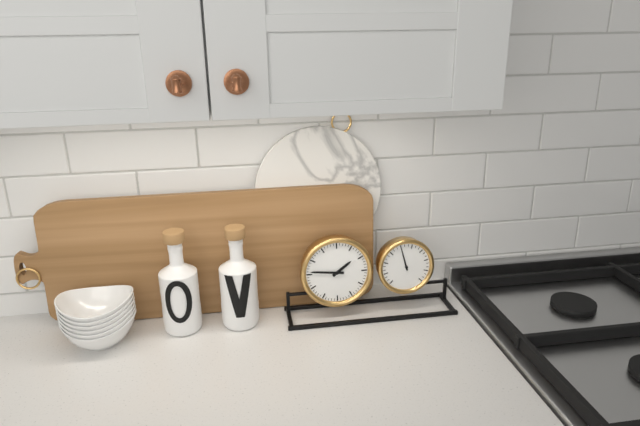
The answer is 1h46
